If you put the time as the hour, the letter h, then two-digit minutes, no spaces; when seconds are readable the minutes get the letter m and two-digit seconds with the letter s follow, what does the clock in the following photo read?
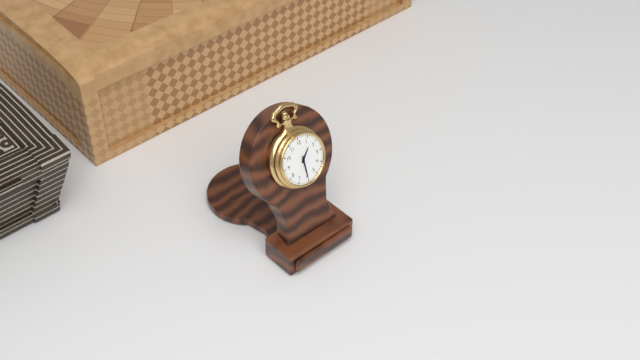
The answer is 1h30
